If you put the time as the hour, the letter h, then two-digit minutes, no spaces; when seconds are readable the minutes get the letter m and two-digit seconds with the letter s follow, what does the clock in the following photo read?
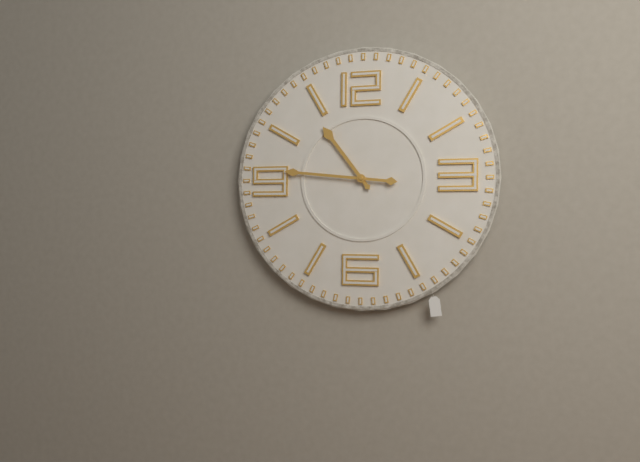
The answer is 10h46
